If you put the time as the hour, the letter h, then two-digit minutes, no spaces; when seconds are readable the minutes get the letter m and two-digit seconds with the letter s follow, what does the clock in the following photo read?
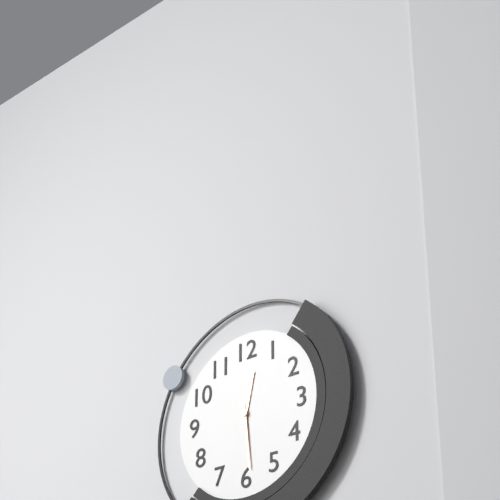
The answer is 12h29
